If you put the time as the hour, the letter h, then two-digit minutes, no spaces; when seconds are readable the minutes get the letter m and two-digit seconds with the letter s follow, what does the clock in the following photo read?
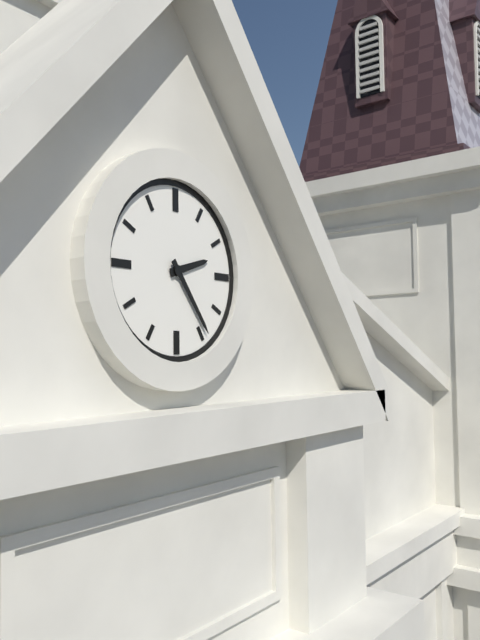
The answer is 2h24
